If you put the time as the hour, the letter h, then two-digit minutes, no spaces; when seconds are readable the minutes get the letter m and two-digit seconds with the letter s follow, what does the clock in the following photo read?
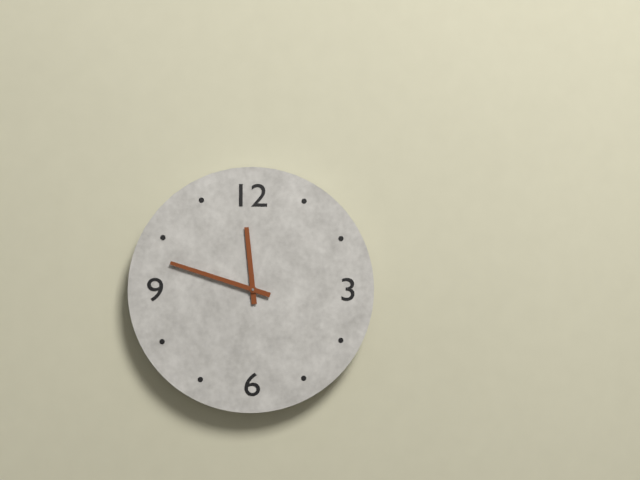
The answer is 11h48
